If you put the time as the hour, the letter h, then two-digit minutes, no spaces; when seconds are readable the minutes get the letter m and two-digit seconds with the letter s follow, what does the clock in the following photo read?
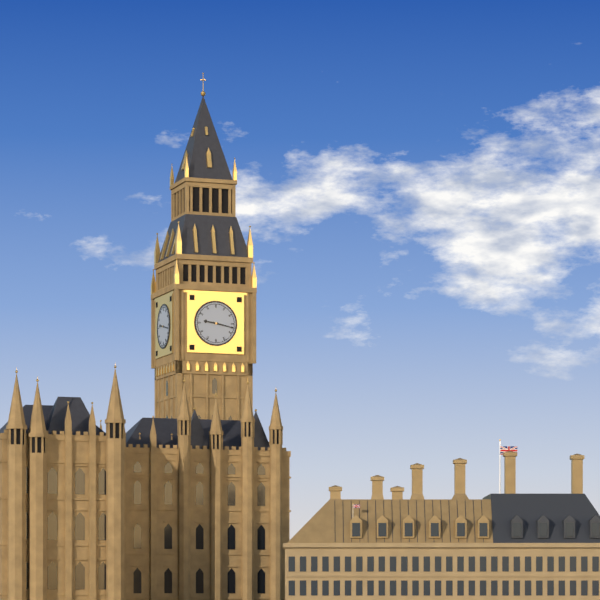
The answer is 9h17
